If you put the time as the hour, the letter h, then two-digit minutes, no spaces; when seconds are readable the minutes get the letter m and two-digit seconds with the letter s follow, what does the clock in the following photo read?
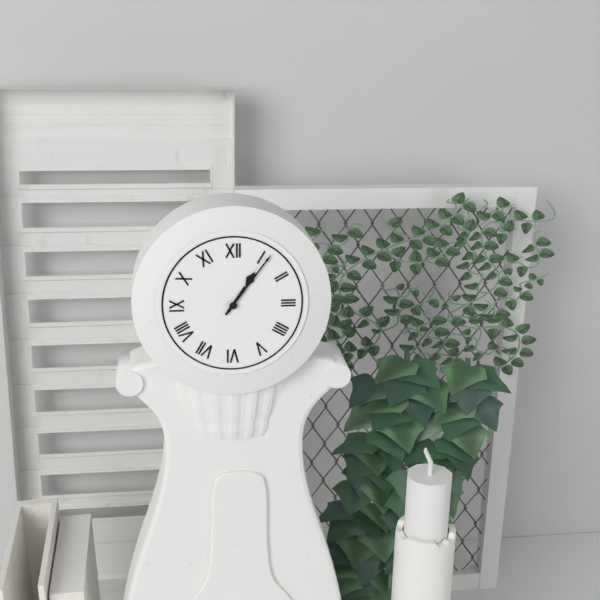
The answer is 1h06
